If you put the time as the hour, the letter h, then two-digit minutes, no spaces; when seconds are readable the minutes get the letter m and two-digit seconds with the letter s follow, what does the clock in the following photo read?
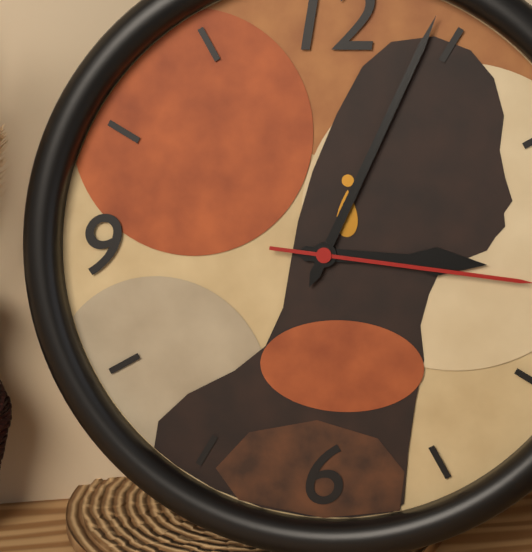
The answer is 3h04
